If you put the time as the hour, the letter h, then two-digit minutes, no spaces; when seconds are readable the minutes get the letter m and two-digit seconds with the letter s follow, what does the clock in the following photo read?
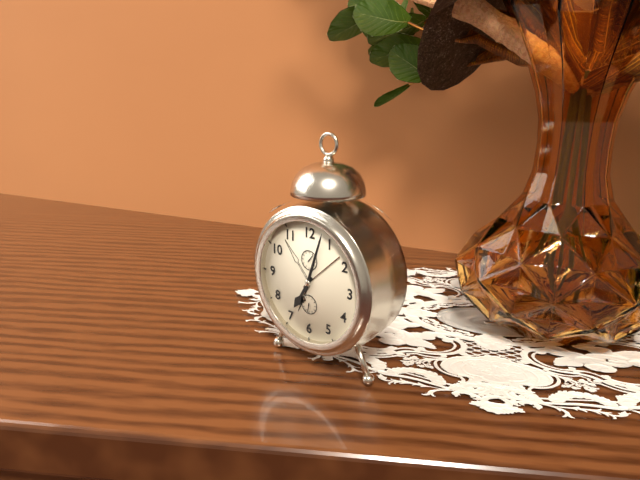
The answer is 7h03
